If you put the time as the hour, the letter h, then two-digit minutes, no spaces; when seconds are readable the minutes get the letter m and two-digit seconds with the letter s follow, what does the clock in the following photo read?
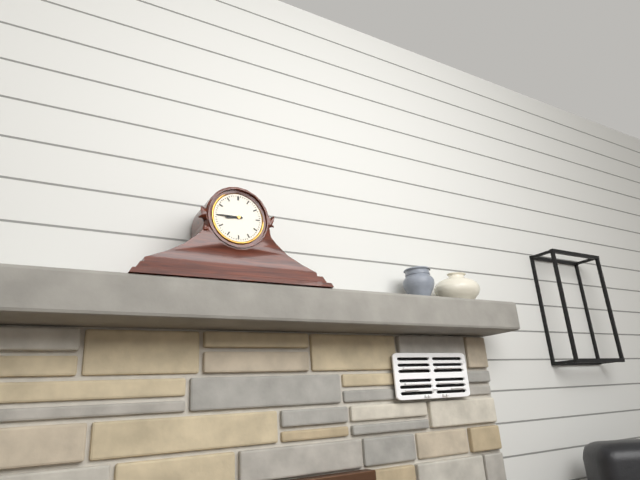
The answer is 8h45
